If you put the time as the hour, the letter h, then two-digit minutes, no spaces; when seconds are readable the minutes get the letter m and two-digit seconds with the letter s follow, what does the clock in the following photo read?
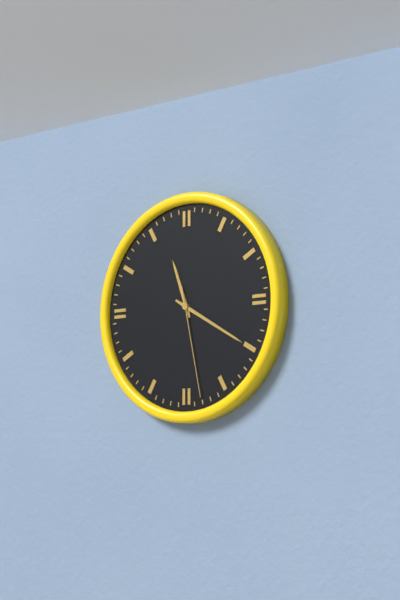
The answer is 11h20m28s
